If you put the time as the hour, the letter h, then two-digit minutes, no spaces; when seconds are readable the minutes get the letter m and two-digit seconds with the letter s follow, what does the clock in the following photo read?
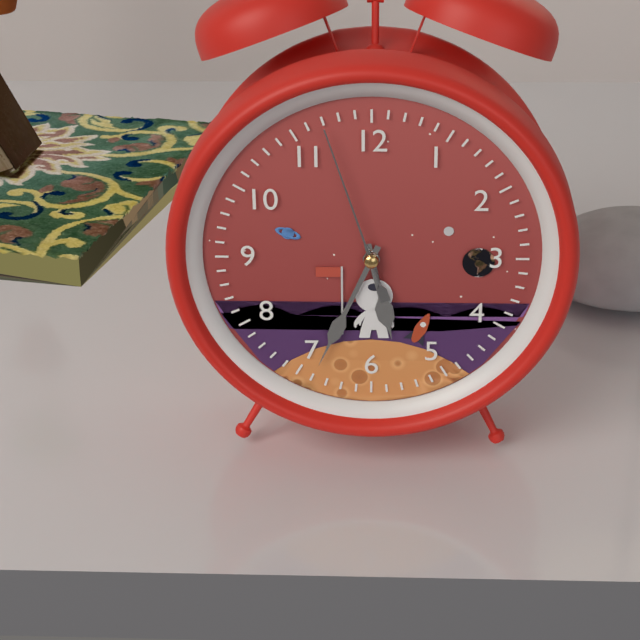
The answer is 5h34m57s
